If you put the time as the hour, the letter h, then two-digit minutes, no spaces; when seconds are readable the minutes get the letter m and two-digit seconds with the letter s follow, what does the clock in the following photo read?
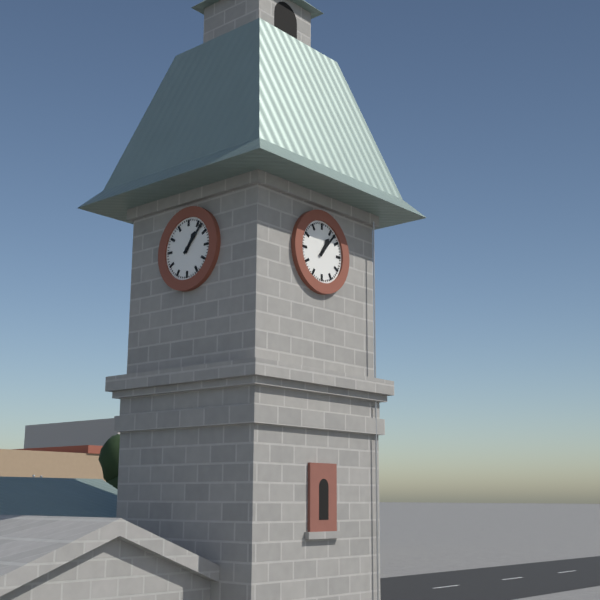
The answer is 1h07
